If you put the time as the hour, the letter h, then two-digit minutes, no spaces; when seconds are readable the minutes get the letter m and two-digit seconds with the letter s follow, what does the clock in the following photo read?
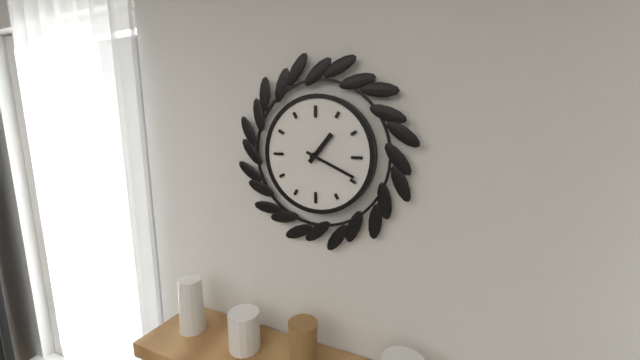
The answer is 1h19
